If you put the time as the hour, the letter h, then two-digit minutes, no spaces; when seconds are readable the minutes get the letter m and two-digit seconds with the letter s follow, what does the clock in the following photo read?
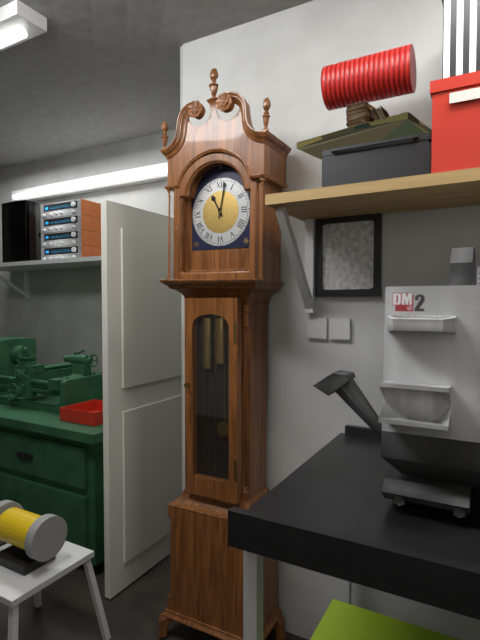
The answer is 11h02
